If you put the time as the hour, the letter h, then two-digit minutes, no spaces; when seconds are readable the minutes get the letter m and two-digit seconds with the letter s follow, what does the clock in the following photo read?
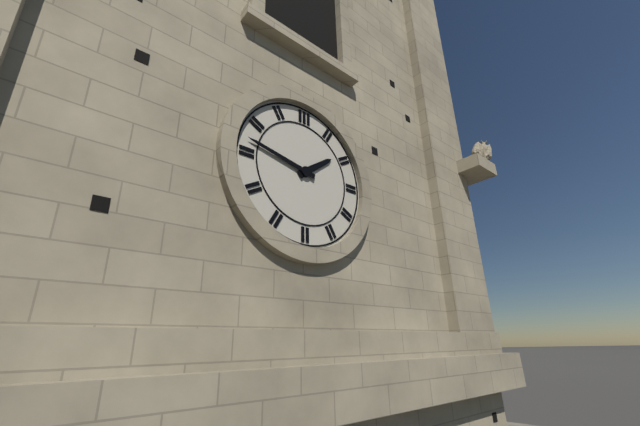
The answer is 1h47
